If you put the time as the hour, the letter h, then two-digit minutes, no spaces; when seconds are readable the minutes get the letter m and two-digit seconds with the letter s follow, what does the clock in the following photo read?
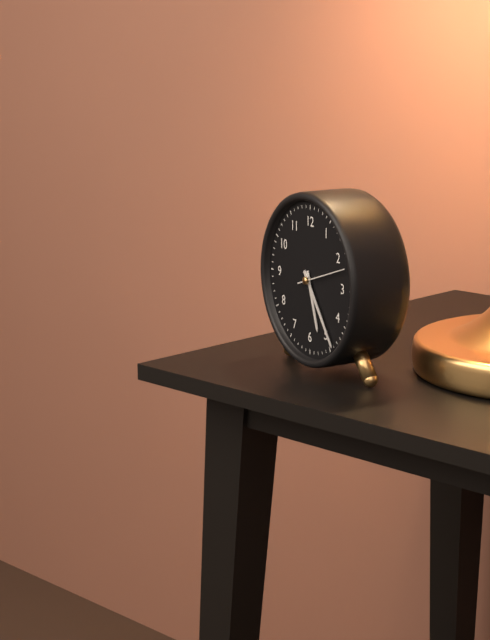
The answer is 5h24
